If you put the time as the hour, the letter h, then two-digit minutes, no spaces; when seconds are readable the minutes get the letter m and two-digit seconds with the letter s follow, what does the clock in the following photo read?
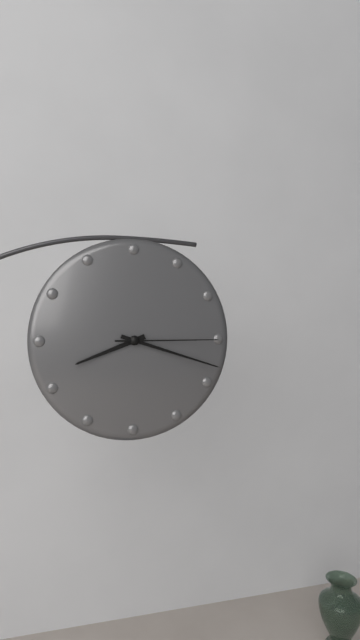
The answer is 8h18m15s
